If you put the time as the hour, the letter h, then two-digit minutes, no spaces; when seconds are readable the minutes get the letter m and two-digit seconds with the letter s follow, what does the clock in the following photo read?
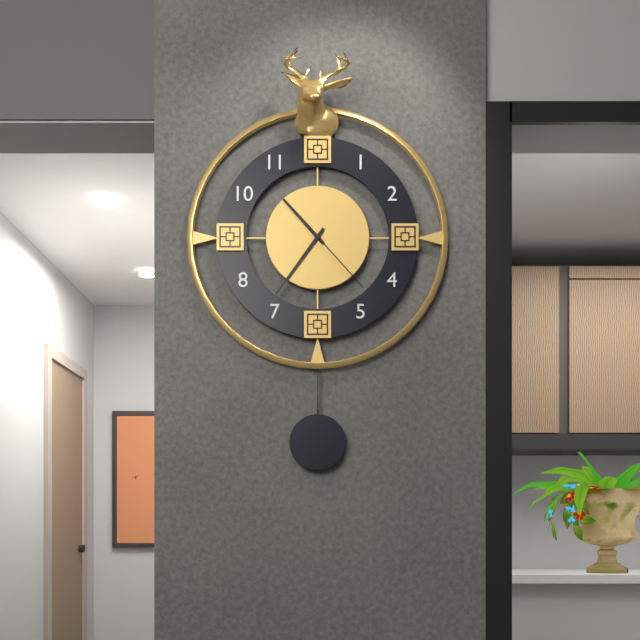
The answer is 10h36m23s
